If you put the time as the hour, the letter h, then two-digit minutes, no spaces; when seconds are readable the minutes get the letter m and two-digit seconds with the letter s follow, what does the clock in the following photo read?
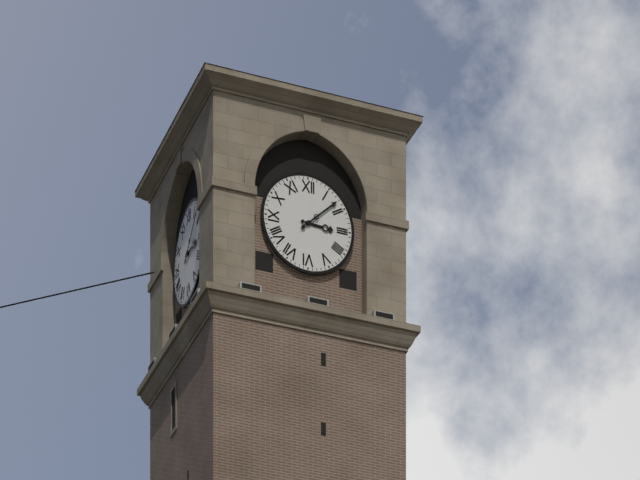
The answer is 3h08
